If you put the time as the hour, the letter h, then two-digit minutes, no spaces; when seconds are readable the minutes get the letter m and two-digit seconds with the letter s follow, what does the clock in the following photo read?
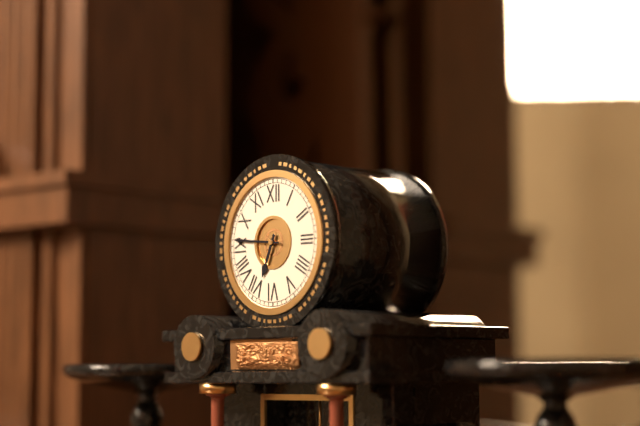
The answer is 6h46
